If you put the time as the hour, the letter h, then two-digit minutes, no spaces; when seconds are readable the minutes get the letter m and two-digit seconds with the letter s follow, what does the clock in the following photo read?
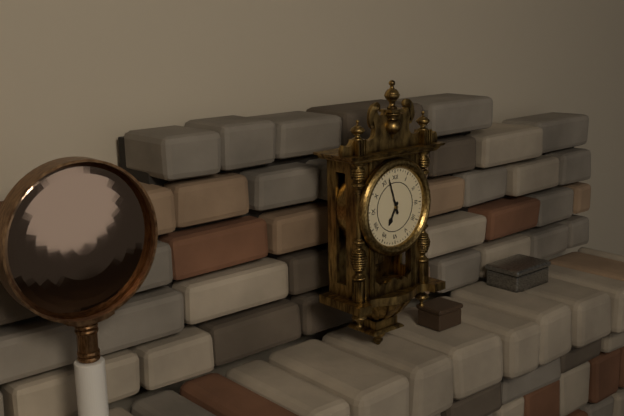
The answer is 6h57
